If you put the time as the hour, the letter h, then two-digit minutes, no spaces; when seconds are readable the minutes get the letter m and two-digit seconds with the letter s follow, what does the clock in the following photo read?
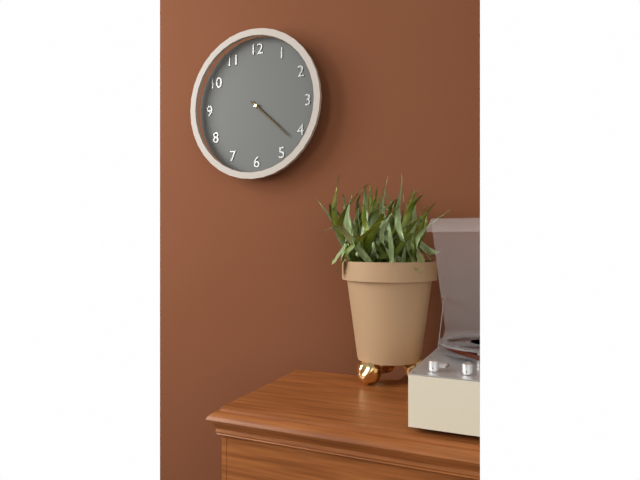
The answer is 4h22
